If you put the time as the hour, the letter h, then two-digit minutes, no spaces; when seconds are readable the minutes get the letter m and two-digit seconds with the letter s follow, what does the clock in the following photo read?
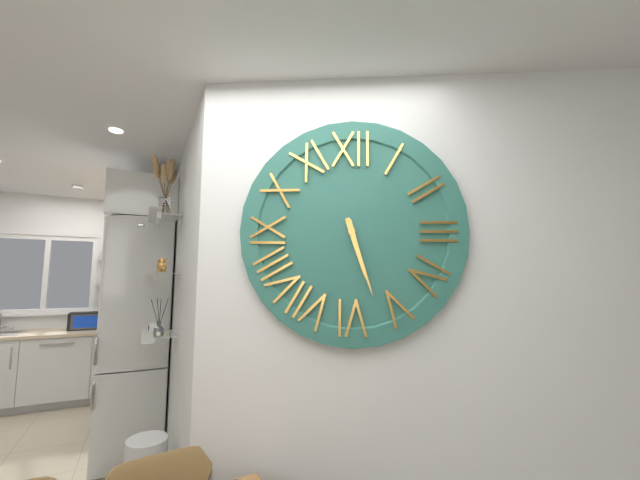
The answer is 5h27
